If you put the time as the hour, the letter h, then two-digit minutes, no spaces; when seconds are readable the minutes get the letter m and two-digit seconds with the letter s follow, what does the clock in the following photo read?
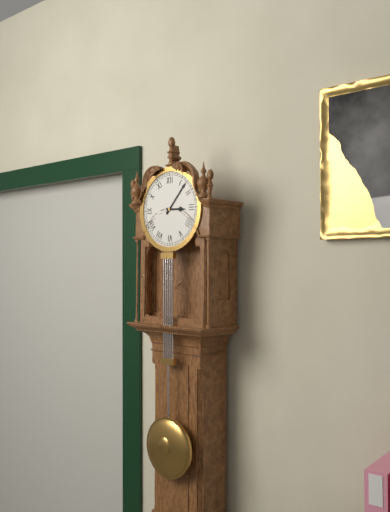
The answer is 3h07
